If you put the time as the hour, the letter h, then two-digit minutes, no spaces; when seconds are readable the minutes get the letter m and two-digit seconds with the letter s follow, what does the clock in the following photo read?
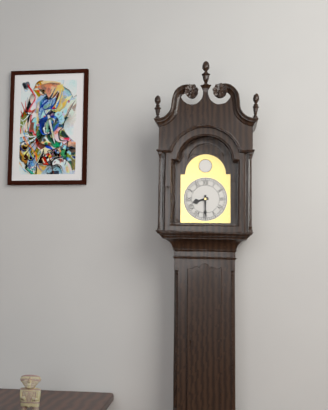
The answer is 8h30
